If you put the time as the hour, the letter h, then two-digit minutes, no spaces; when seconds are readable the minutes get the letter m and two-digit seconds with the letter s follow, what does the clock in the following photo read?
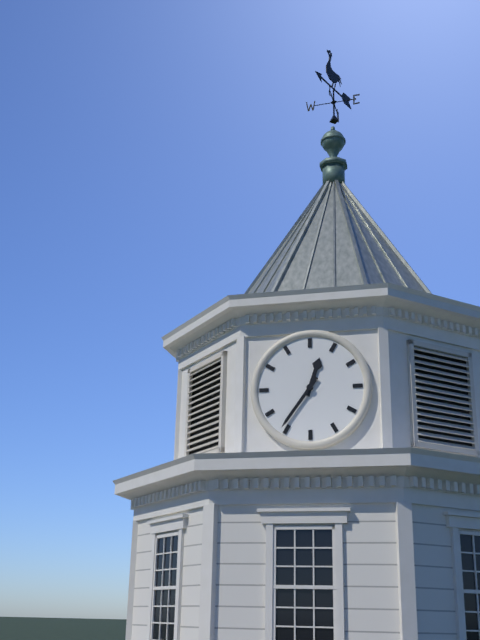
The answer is 12h36
